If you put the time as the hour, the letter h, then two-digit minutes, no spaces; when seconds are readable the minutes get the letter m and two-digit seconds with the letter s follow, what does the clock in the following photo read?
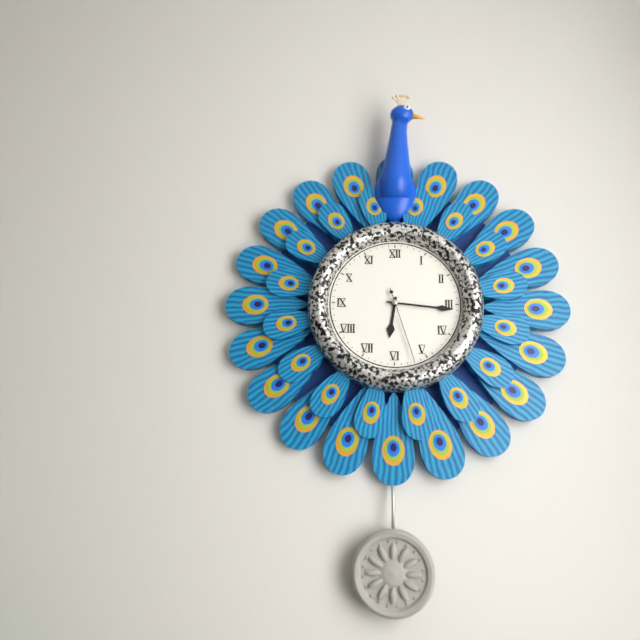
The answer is 6h16m27s
